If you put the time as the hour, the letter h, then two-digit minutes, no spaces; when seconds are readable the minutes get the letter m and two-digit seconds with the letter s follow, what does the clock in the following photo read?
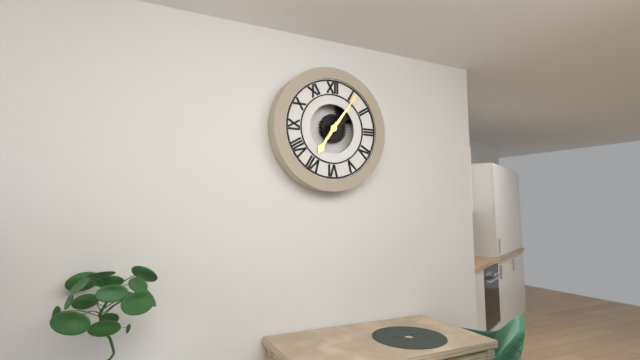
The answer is 7h06
